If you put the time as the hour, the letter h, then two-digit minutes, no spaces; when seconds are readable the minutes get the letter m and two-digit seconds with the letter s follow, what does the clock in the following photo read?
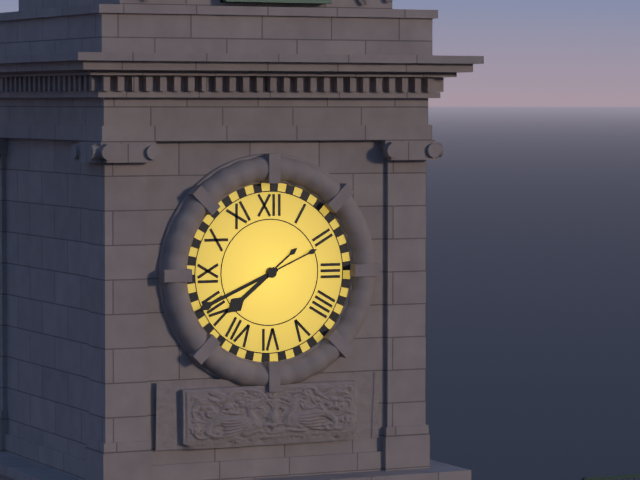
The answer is 7h41
